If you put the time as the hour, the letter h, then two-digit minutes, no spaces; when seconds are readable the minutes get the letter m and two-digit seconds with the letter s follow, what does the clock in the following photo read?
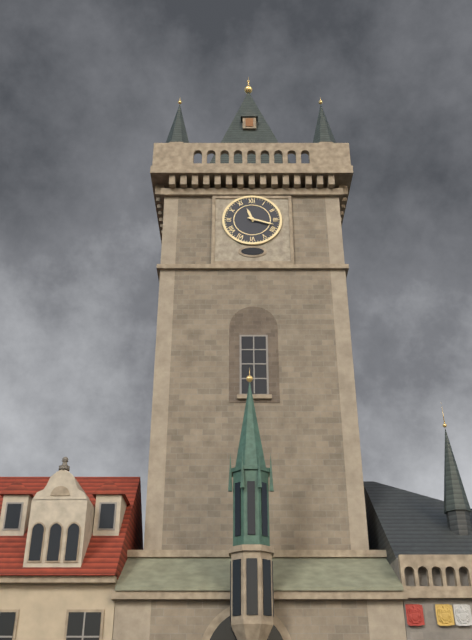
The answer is 11h18
